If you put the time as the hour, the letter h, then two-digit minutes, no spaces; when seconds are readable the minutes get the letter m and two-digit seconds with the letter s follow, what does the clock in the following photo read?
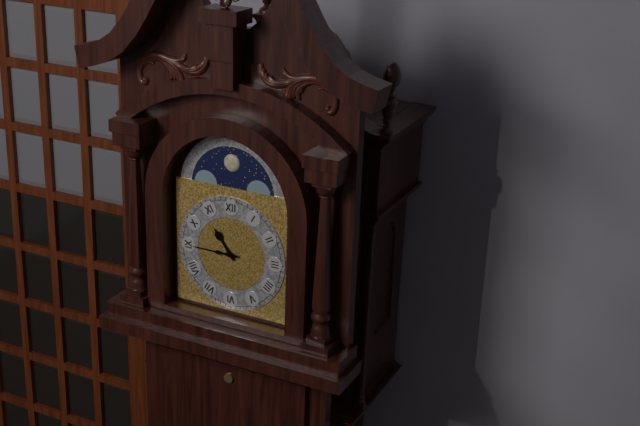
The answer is 10h45
